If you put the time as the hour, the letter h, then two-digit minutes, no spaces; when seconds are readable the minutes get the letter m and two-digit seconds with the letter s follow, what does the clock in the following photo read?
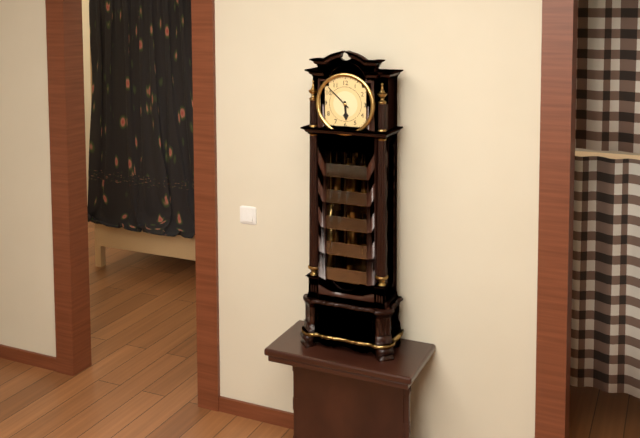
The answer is 5h52
